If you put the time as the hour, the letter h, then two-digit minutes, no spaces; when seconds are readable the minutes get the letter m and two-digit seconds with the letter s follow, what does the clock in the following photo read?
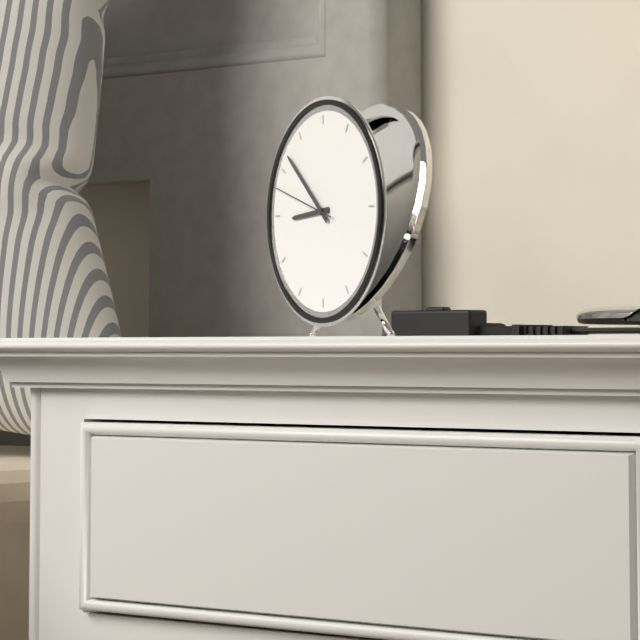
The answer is 8h52m48s
